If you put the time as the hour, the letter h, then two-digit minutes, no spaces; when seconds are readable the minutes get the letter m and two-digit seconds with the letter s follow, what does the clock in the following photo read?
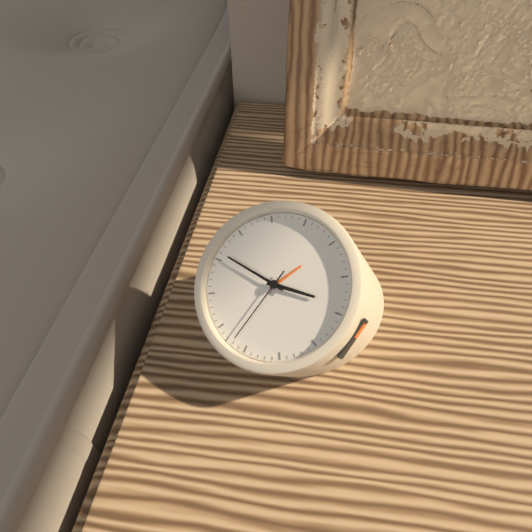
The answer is 2h46m32s
